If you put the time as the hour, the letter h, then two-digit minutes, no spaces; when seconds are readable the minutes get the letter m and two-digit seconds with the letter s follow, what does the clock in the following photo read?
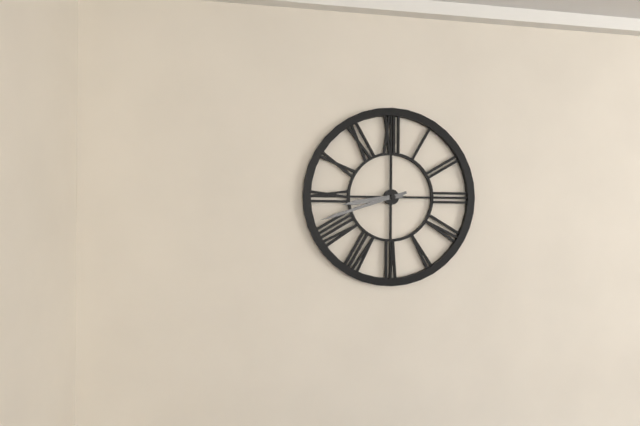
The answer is 8h42
